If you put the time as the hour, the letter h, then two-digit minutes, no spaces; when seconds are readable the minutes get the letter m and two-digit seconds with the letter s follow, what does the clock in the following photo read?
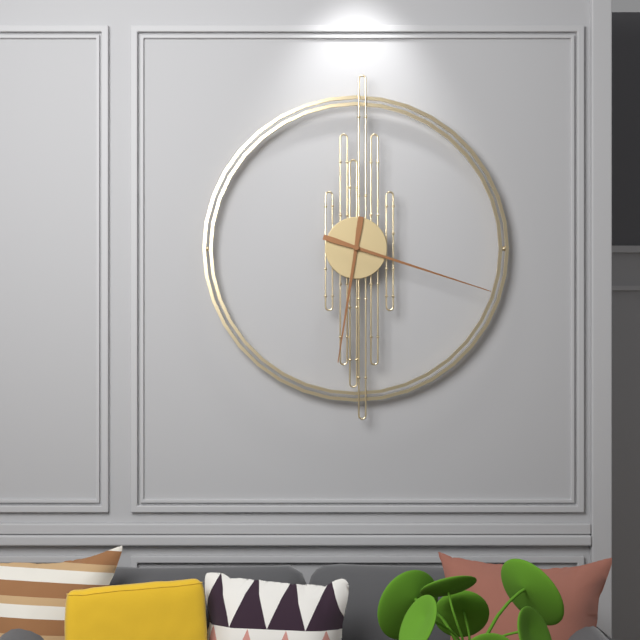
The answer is 6h18
